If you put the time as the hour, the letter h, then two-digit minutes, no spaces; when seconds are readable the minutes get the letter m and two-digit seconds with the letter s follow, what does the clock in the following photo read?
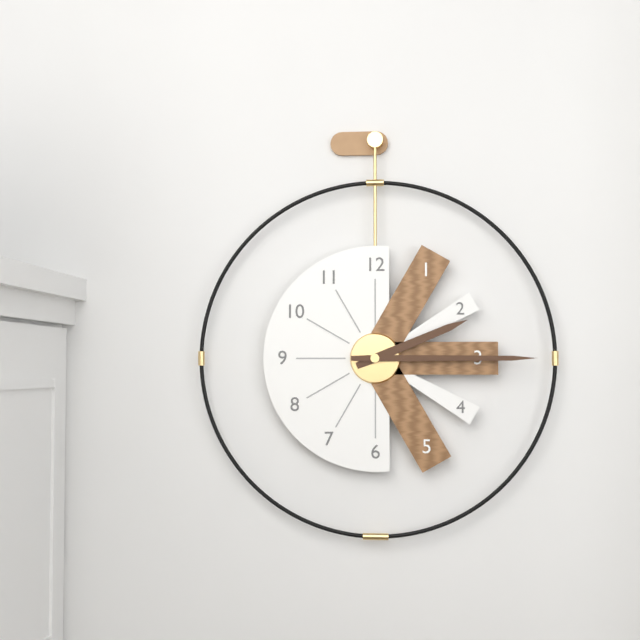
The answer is 2h15
